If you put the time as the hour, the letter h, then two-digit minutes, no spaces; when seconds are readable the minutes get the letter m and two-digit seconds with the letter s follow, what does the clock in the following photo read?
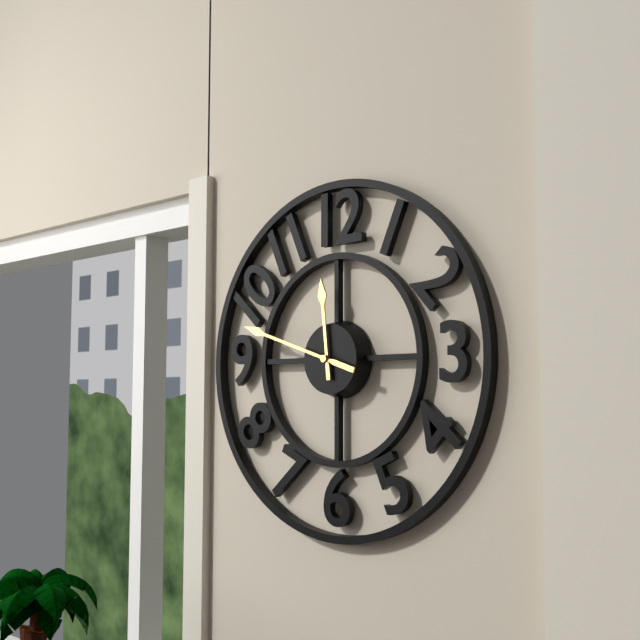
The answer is 11h48
